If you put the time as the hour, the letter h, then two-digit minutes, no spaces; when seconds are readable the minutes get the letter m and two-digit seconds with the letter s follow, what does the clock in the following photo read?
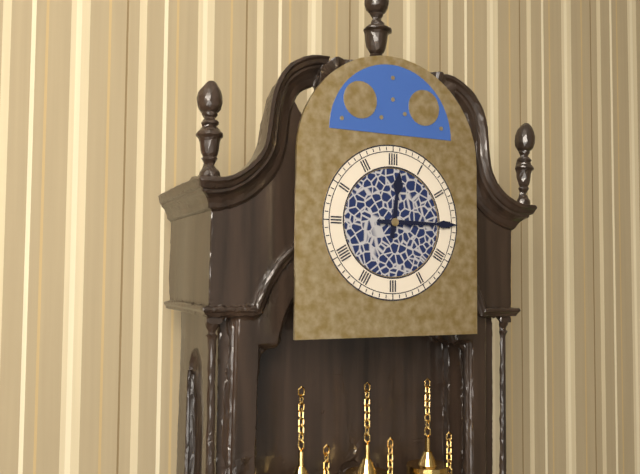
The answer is 12h15
